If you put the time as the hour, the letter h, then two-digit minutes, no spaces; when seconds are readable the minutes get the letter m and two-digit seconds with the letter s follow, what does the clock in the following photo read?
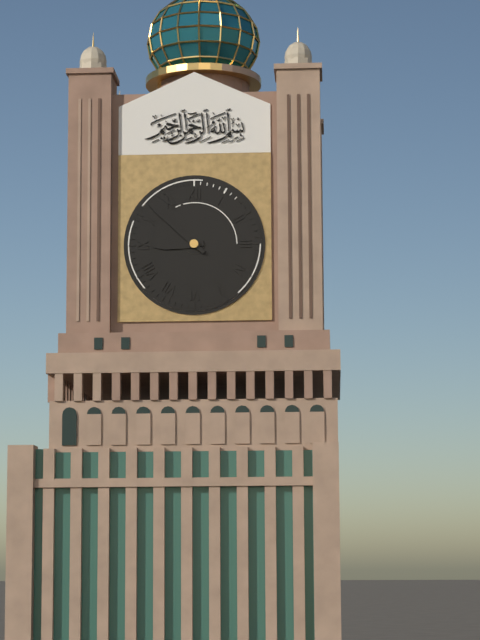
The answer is 8h52
